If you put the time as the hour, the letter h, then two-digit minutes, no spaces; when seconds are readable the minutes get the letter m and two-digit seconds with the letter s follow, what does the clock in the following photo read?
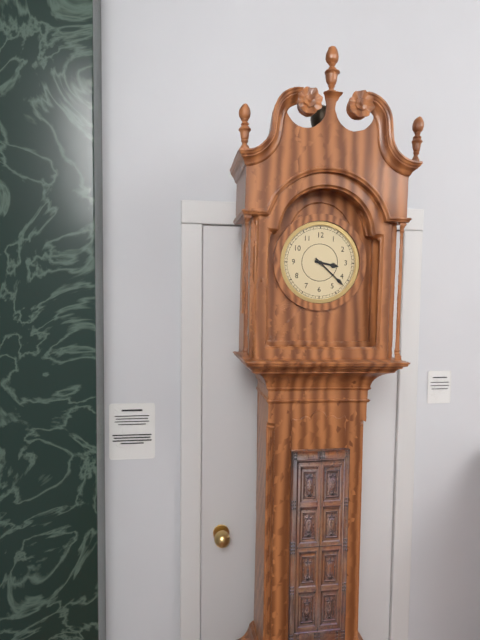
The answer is 3h22
